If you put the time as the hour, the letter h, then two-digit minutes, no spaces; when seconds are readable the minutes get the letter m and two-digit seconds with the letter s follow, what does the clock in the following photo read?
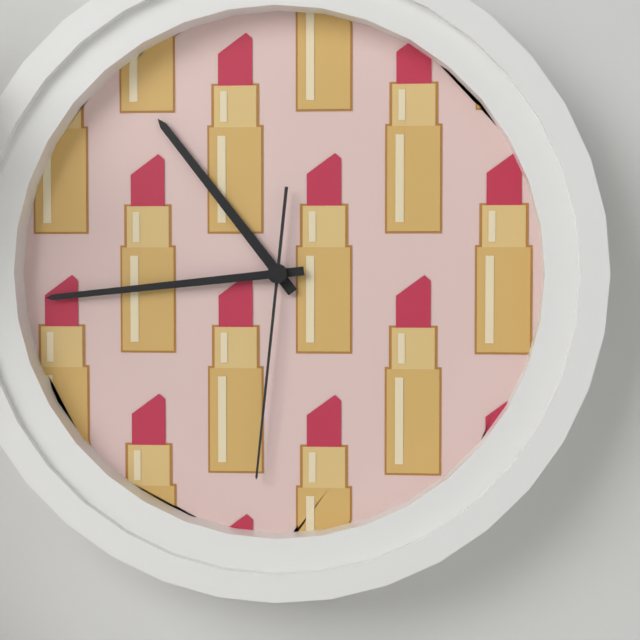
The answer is 10h44m31s
